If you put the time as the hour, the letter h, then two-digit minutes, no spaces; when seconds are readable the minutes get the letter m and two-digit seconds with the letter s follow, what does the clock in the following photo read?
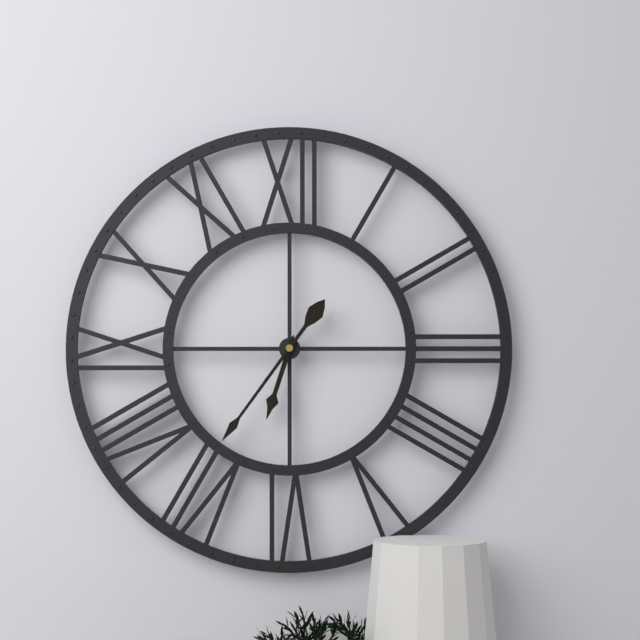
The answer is 6h36
